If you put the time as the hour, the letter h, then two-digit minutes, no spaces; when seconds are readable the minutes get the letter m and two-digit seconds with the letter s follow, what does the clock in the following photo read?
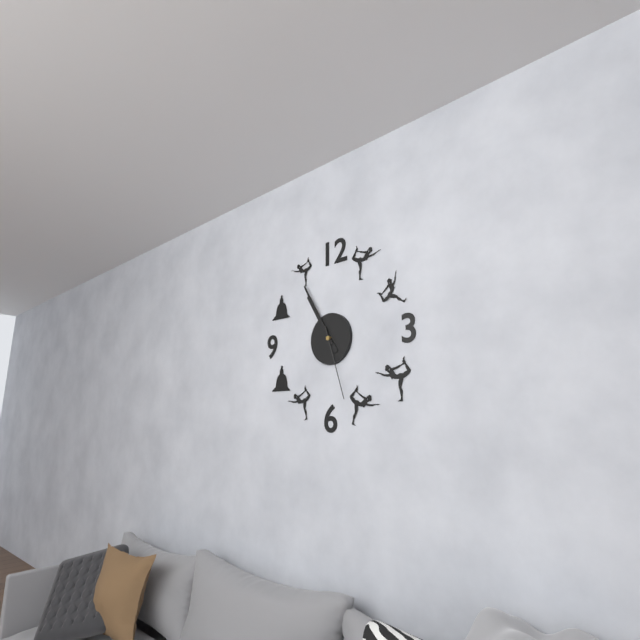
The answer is 10h55m27s
